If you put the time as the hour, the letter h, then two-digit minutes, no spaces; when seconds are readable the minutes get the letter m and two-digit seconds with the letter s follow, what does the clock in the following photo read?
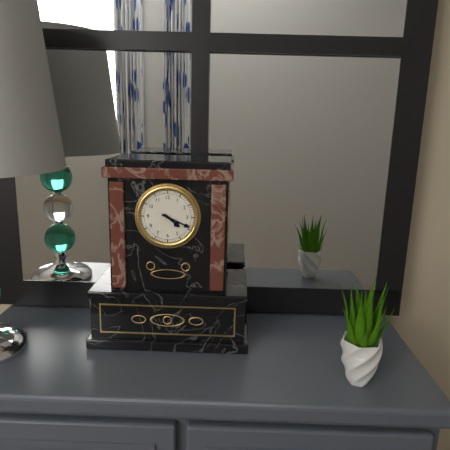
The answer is 4h19
